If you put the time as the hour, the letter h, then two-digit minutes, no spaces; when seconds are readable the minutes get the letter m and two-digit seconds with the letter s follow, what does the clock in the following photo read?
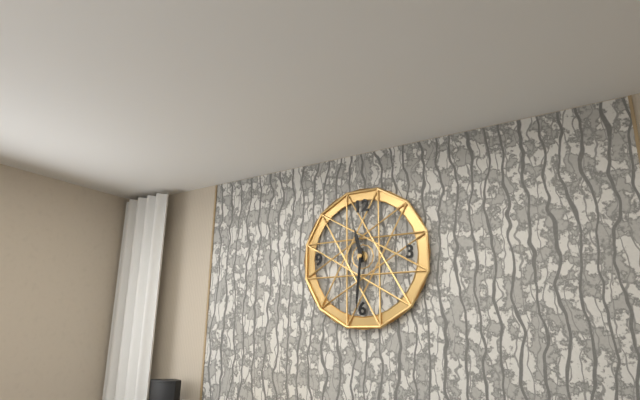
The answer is 11h31
